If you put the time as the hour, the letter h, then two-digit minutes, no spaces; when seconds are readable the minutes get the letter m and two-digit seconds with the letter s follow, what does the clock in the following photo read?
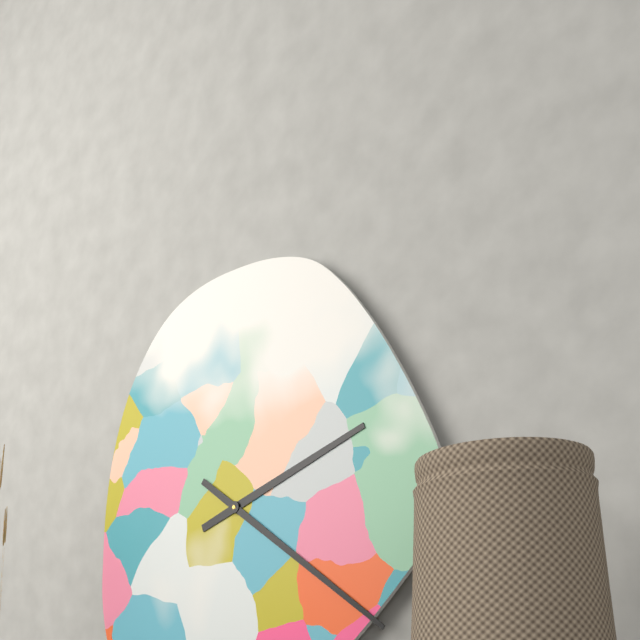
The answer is 2h21
